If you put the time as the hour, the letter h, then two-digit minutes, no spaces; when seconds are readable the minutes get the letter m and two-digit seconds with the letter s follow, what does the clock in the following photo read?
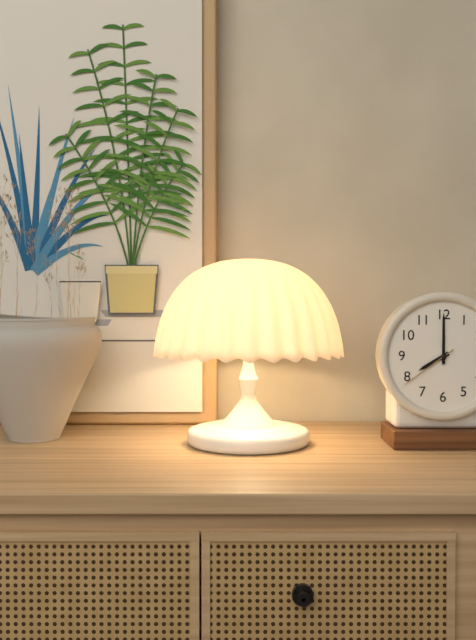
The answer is 8h00m39s
